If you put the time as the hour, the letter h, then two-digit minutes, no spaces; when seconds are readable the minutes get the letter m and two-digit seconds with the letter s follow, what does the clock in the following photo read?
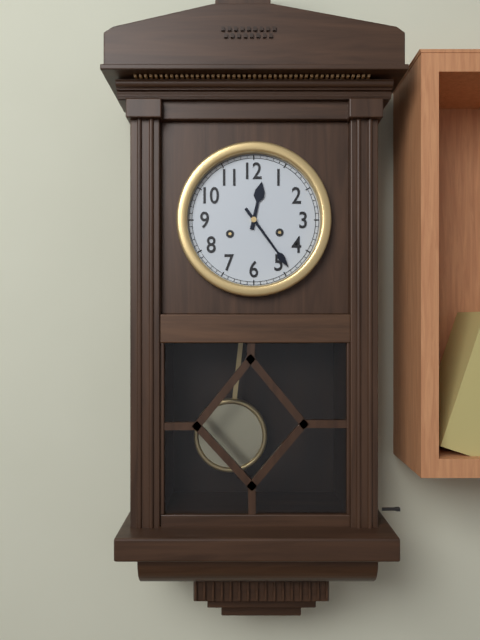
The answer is 12h24
